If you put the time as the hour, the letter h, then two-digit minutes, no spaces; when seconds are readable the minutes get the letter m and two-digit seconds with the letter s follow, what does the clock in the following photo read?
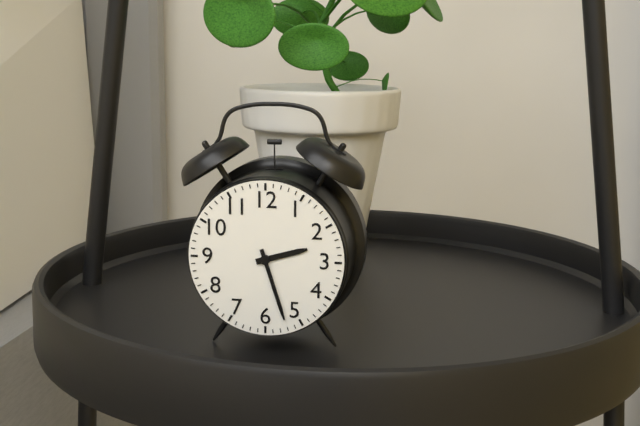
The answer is 2h27
